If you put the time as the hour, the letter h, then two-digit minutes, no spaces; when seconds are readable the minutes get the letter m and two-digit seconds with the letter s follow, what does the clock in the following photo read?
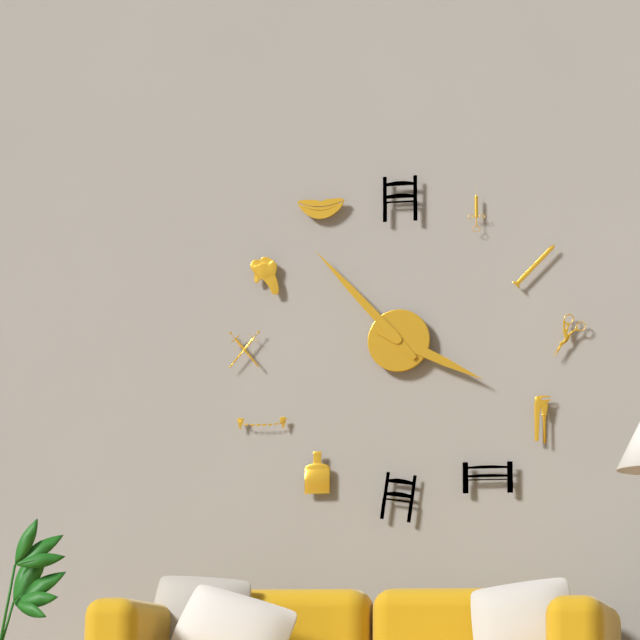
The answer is 3h53
